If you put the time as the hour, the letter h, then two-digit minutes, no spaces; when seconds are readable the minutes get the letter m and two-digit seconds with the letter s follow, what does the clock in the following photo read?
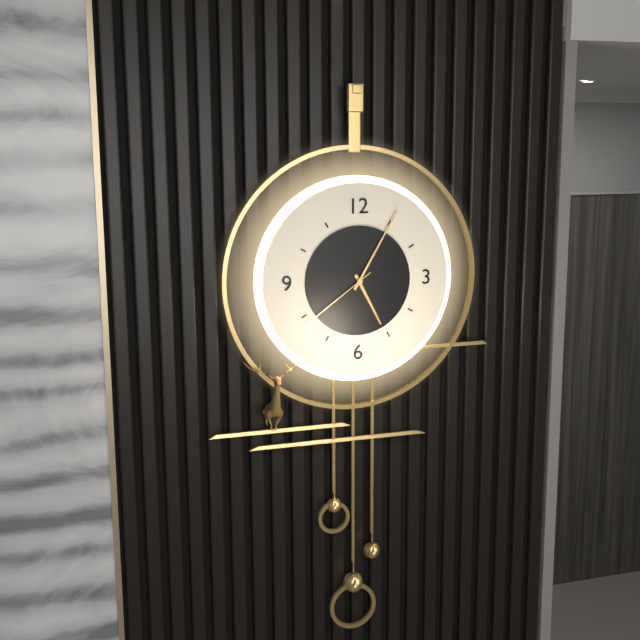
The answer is 5h05m39s
